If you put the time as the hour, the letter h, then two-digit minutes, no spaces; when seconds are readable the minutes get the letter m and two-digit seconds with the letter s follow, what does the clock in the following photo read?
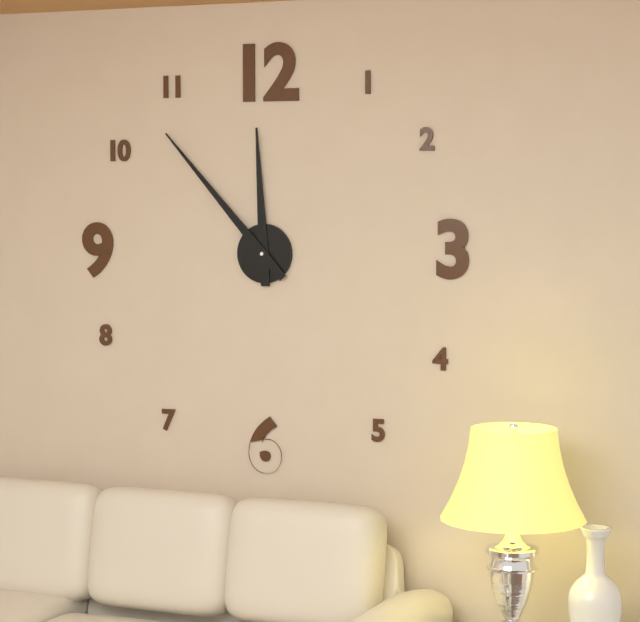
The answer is 11h53
